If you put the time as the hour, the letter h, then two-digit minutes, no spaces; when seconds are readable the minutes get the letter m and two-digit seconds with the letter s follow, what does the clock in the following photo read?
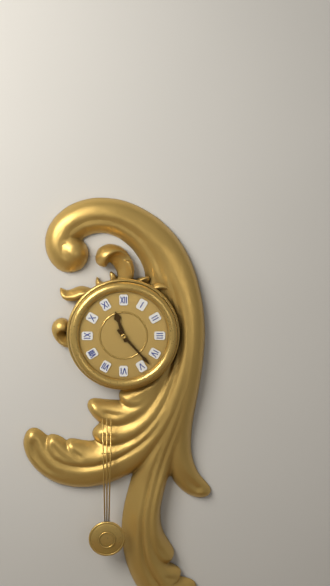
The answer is 11h23
